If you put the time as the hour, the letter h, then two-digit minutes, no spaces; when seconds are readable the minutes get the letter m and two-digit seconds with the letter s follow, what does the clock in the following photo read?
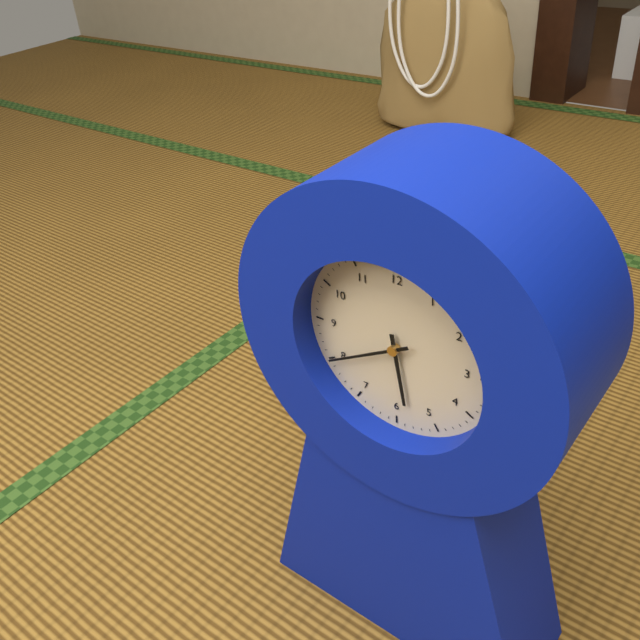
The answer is 5h40
